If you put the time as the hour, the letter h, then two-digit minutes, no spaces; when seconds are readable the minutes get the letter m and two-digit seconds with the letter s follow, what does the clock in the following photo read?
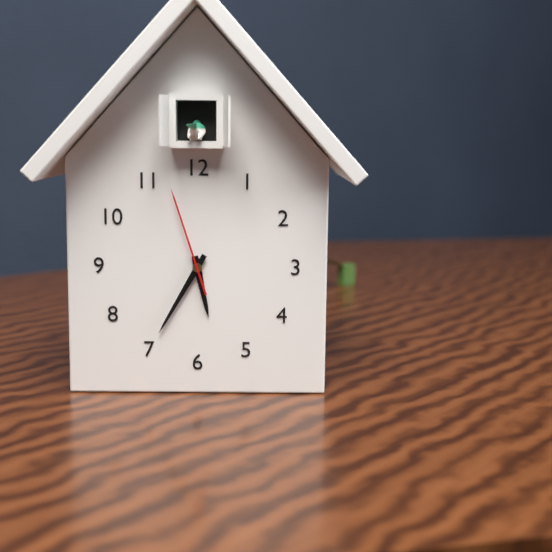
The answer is 5h35m57s
